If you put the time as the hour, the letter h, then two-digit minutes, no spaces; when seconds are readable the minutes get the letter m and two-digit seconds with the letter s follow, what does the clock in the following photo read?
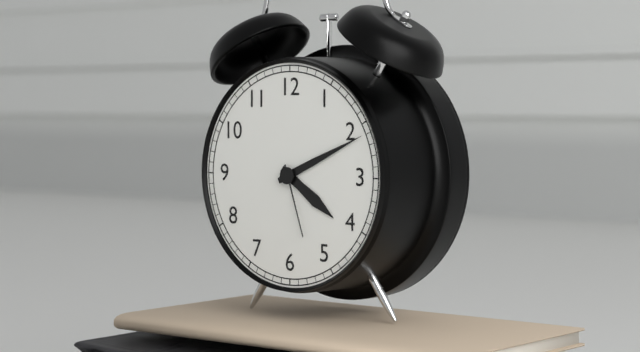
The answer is 4h11m27s
